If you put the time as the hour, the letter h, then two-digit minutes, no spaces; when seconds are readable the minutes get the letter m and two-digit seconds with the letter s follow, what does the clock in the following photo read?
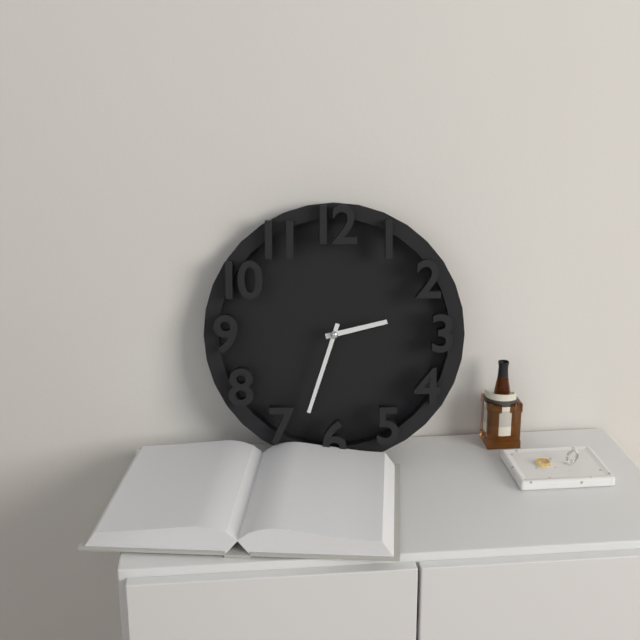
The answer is 2h33
